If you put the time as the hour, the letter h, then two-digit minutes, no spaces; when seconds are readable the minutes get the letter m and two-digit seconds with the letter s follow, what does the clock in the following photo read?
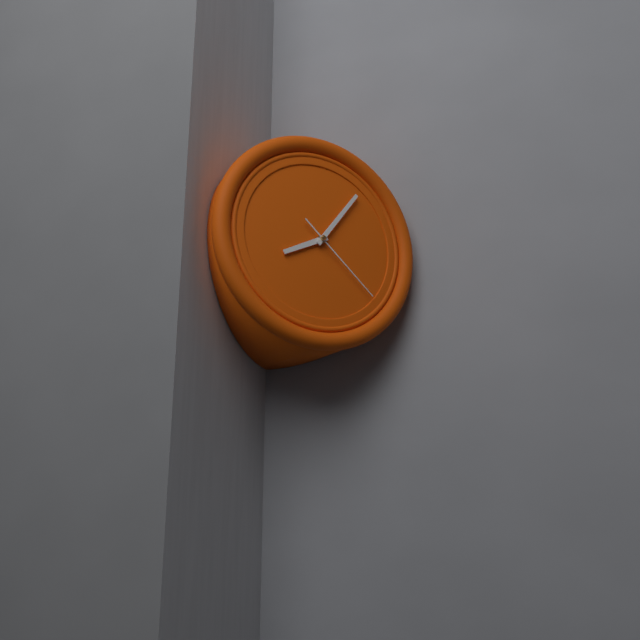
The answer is 8h06m22s
